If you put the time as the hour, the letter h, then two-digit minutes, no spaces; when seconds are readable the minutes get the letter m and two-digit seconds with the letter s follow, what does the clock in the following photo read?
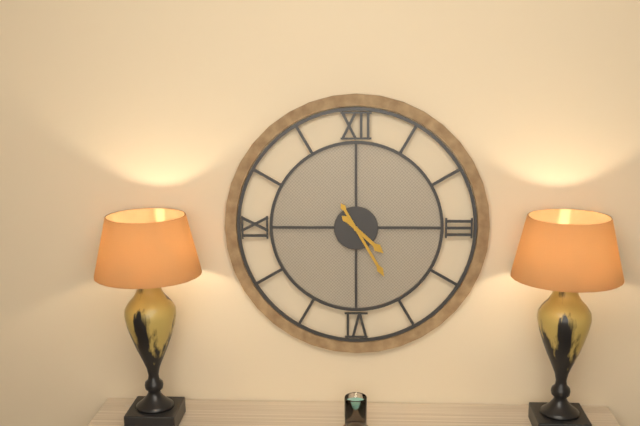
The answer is 4h25
